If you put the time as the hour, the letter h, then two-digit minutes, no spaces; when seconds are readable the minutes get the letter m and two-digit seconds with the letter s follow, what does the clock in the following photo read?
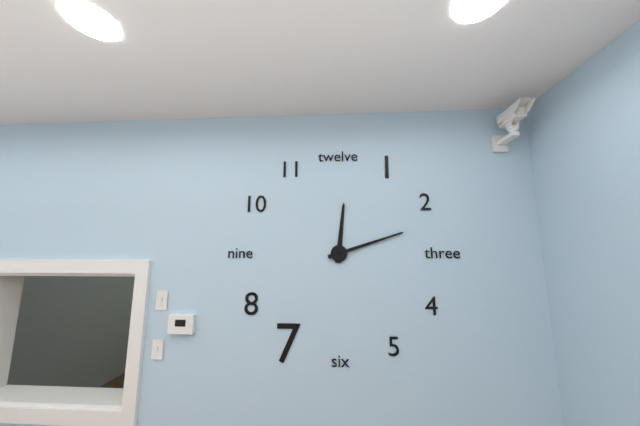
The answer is 12h12
